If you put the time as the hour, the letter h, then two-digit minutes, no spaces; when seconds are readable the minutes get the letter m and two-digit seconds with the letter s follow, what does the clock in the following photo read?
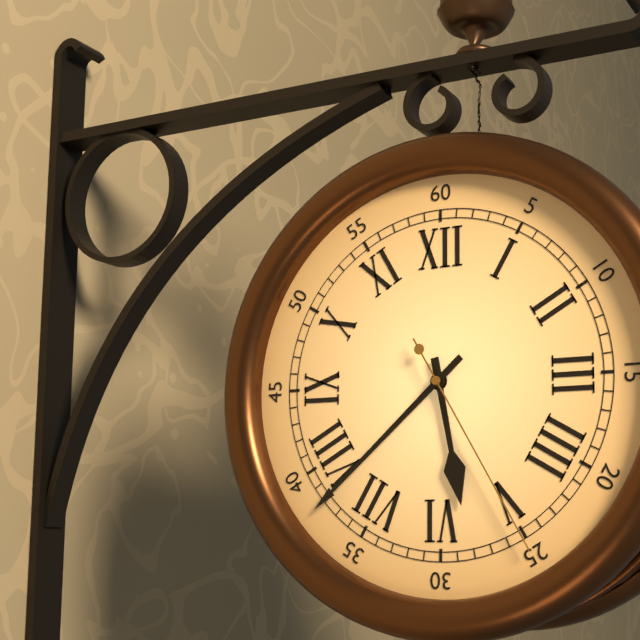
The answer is 5h38m25s
